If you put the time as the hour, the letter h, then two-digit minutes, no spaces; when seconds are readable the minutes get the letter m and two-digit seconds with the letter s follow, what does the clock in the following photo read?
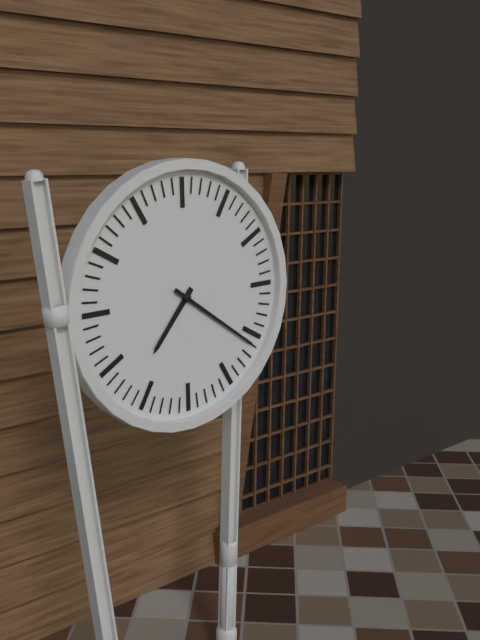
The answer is 7h21
